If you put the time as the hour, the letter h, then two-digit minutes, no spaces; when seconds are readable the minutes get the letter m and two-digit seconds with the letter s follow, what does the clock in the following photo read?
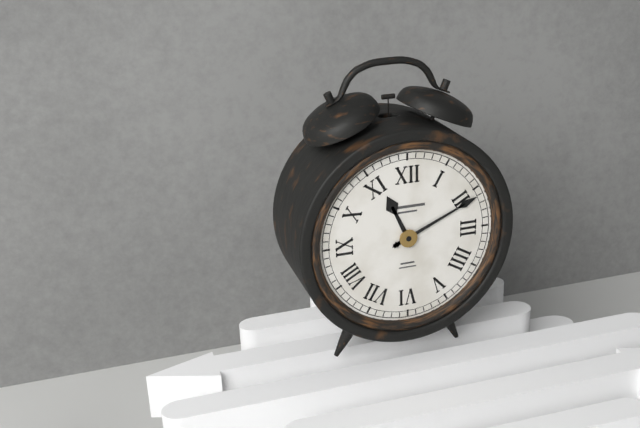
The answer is 11h11
